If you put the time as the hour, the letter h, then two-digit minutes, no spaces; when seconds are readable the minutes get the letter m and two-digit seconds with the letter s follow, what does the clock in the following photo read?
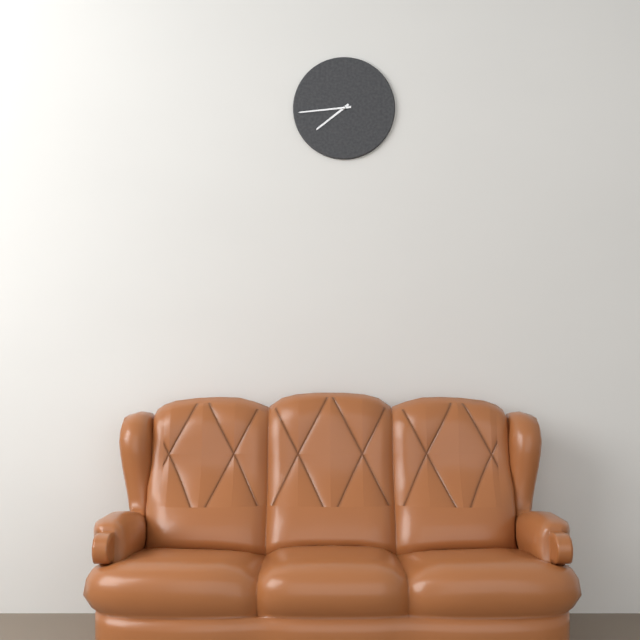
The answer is 7h44
